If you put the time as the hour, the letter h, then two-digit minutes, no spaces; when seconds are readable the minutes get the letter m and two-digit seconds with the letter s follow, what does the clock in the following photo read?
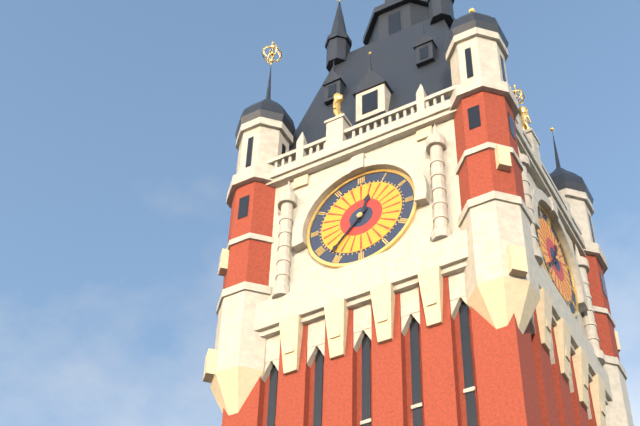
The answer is 12h37
